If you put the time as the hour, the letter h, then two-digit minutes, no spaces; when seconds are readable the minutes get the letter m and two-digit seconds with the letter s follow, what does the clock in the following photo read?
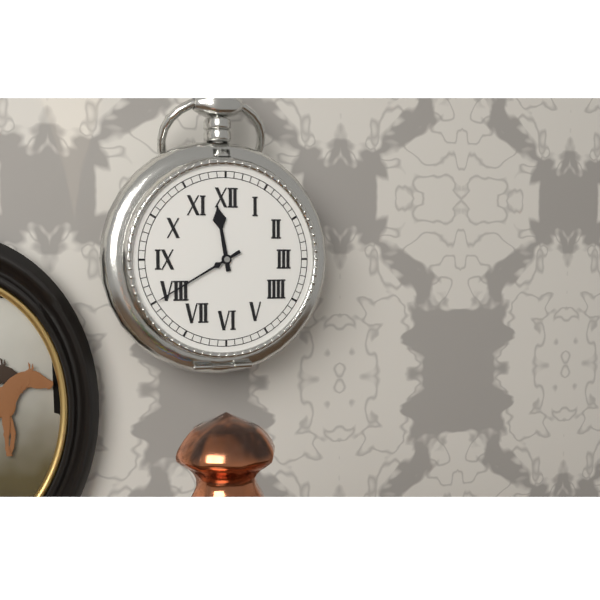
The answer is 11h40
